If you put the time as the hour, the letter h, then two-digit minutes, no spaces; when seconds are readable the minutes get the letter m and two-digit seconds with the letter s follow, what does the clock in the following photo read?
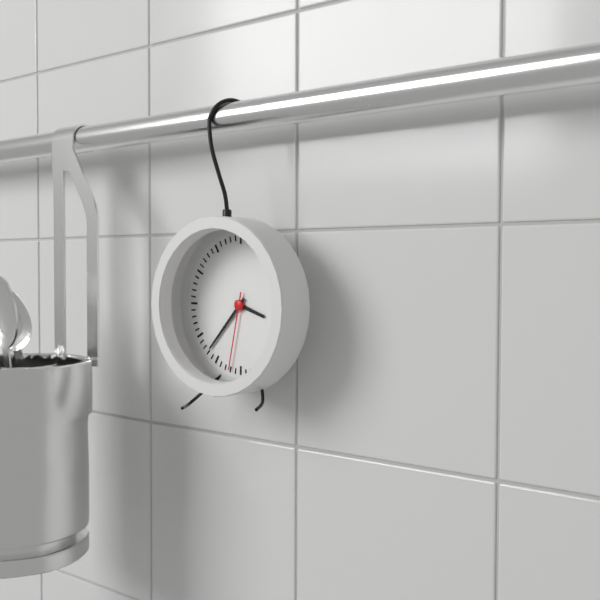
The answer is 3h37m32s
